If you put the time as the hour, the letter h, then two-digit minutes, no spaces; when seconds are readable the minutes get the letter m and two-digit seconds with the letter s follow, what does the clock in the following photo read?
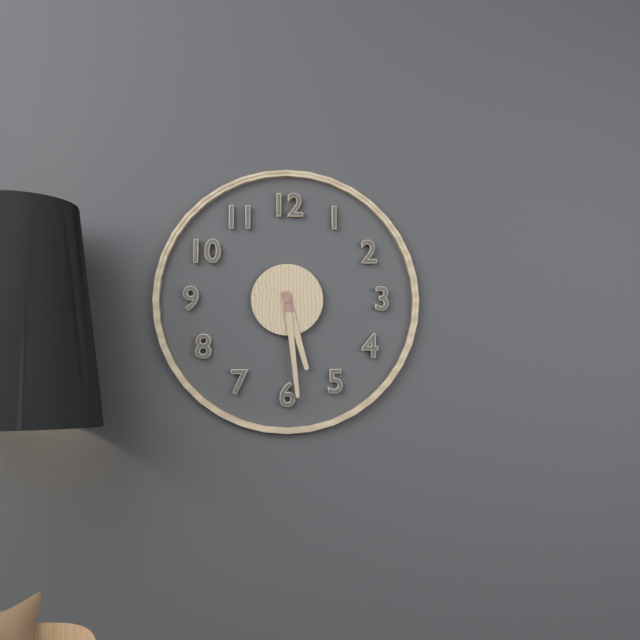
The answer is 5h29
